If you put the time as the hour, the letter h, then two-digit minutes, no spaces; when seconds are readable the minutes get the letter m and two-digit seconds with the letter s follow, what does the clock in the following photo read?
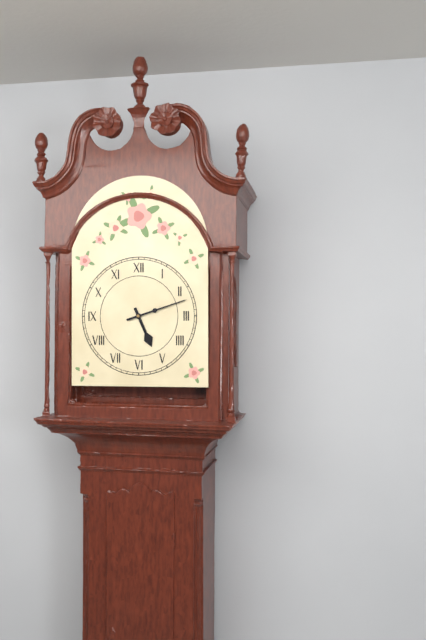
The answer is 5h12
